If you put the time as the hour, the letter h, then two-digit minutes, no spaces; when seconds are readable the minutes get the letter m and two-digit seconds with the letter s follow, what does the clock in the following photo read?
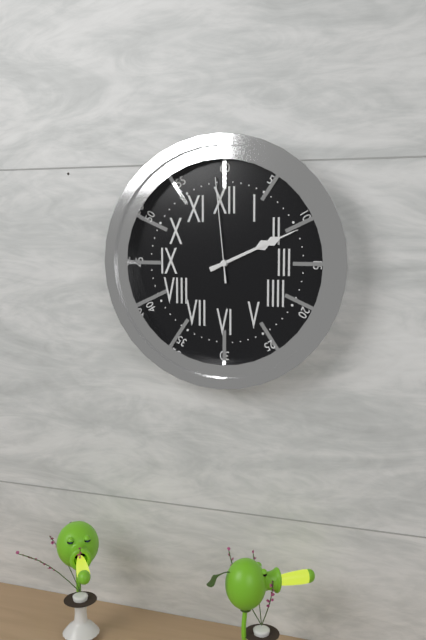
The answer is 2h11m59s
